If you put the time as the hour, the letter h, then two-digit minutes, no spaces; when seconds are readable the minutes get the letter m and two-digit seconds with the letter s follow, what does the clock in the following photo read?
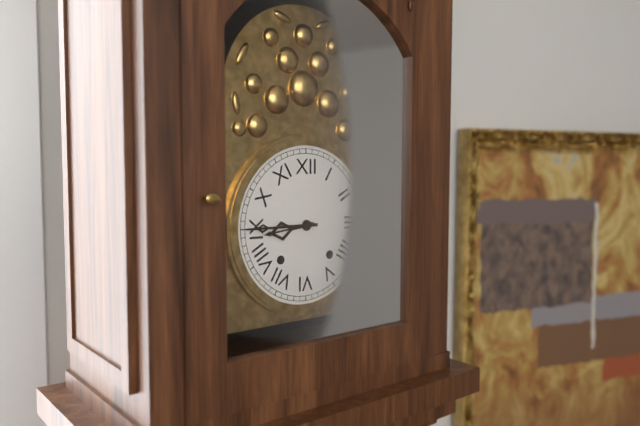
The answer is 8h45
